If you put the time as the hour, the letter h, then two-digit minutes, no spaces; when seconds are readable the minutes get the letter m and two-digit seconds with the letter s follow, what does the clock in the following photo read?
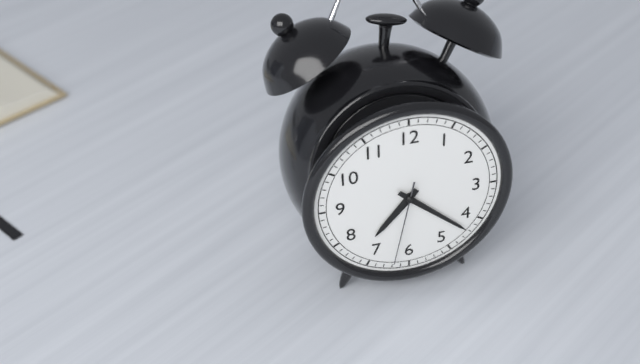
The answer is 7h22m32s
